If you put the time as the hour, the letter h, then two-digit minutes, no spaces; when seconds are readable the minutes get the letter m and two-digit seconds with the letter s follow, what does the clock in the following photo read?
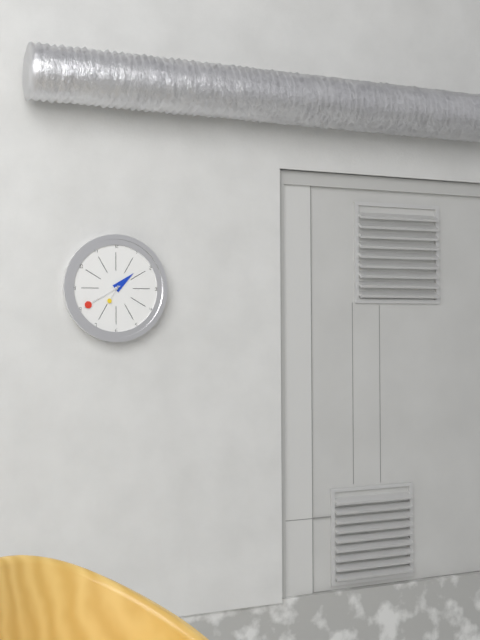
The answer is 1h40
